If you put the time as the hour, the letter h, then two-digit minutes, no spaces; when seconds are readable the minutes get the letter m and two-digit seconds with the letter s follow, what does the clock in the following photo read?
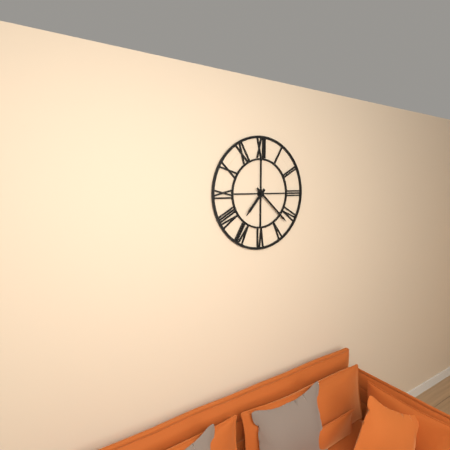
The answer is 7h22
